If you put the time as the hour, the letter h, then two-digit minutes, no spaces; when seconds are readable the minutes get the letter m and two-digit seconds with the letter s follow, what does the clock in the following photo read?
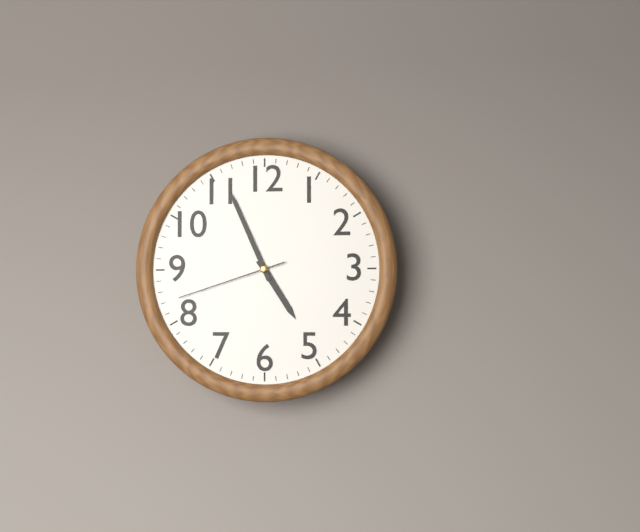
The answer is 4h56m42s
